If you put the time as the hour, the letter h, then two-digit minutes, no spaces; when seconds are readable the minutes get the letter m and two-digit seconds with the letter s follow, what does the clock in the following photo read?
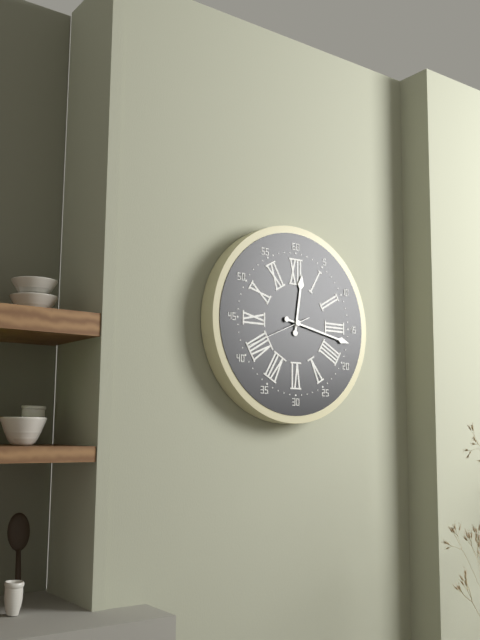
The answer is 12h17m41s
